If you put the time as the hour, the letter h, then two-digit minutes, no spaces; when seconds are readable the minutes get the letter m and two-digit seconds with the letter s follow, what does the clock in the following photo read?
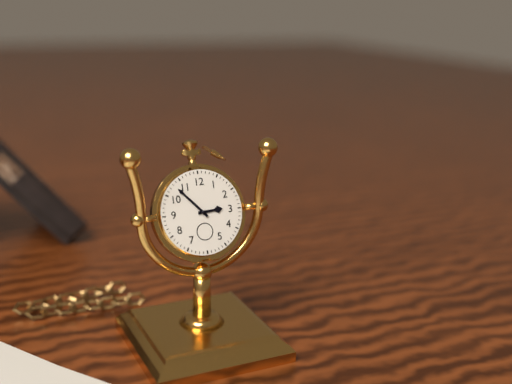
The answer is 2h53
